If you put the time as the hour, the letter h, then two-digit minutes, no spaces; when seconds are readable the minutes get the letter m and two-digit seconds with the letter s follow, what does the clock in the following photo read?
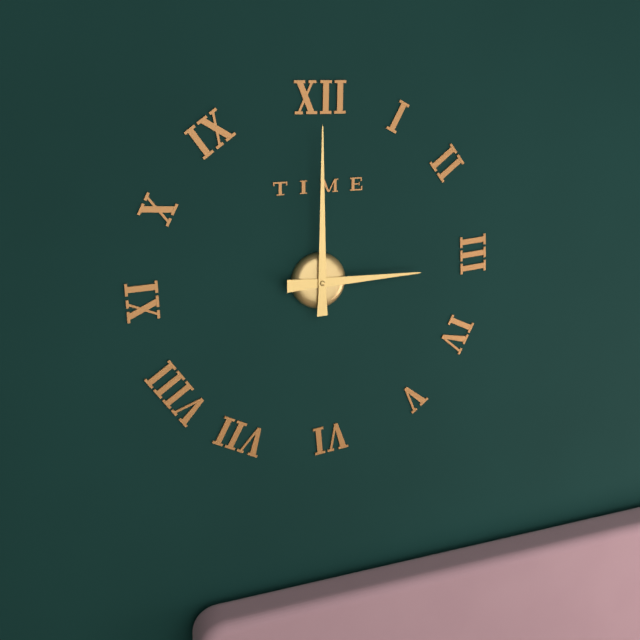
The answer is 3h00
